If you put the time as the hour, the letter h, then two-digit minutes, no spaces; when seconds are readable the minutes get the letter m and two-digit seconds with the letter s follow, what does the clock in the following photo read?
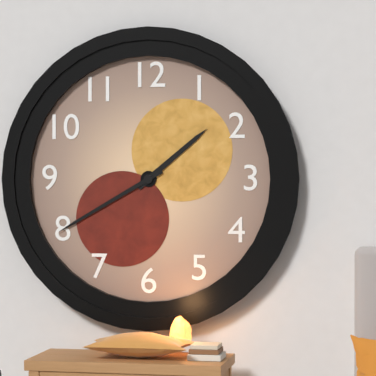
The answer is 1h40
